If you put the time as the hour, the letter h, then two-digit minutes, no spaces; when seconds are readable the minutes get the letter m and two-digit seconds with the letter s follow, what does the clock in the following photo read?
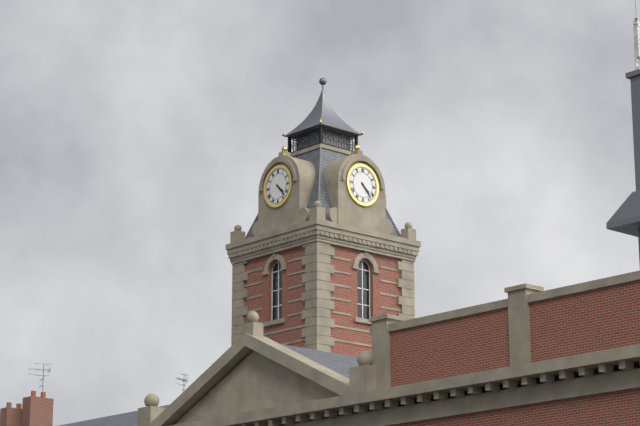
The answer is 4h23
